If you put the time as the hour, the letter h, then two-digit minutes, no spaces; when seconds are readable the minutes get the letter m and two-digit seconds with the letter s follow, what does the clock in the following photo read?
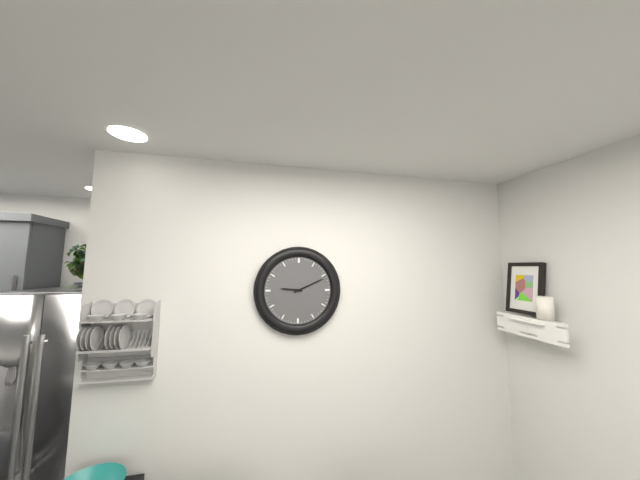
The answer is 9h11
